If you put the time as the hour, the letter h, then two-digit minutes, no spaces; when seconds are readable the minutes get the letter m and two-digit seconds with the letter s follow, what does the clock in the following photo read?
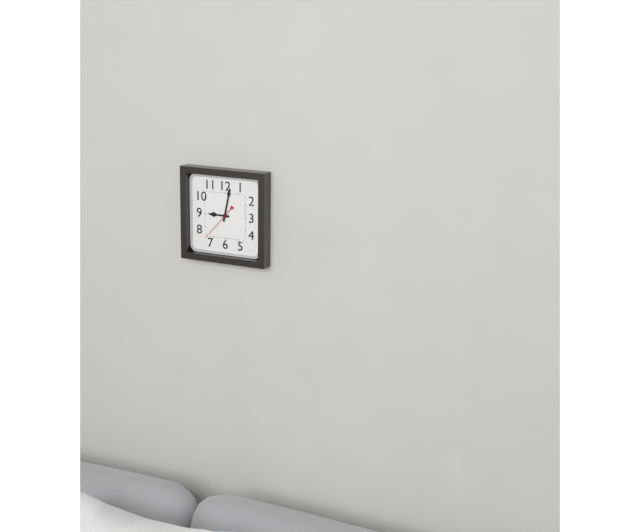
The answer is 9h02
